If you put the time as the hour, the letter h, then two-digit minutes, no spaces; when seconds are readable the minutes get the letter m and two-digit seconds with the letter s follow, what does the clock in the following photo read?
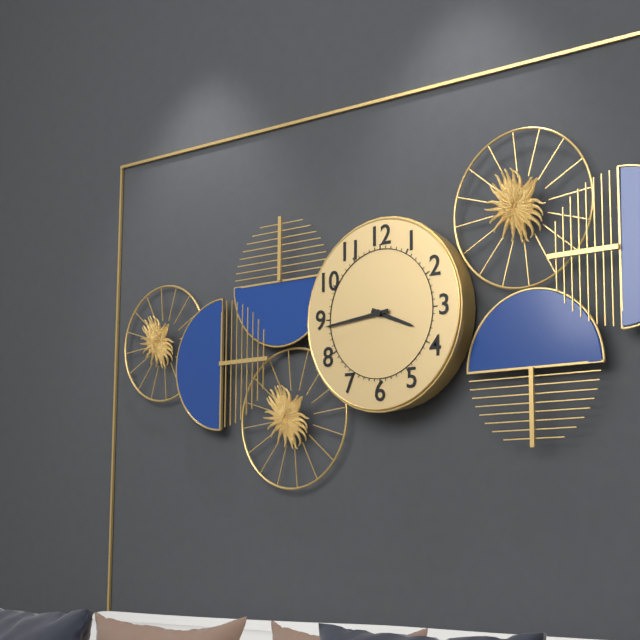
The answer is 3h44
